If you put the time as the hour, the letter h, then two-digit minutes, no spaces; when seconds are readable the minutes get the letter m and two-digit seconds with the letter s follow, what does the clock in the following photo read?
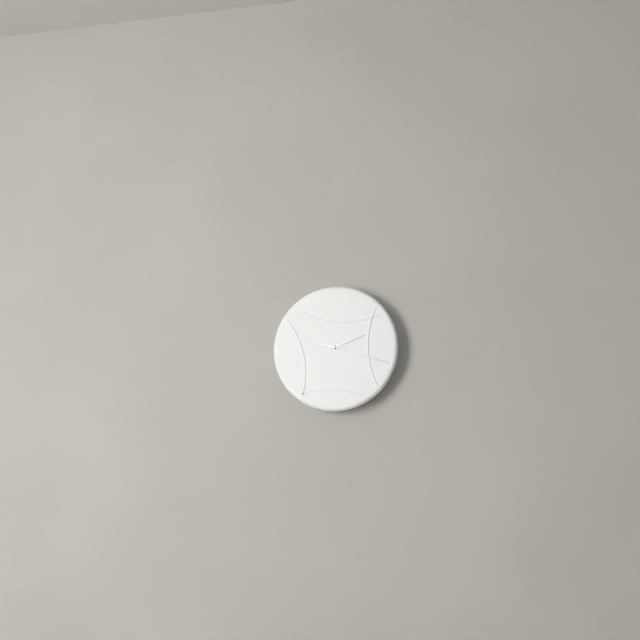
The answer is 2h18
